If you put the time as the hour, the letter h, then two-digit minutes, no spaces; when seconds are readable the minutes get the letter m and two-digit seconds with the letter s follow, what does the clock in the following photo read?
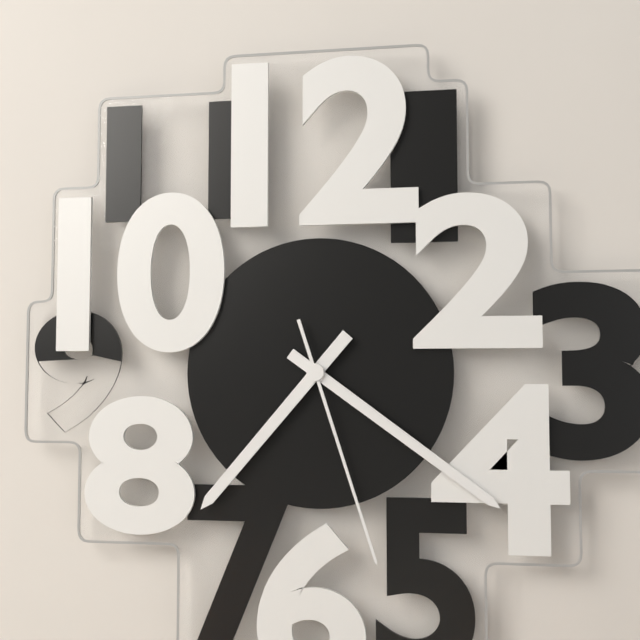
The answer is 7h21m27s
